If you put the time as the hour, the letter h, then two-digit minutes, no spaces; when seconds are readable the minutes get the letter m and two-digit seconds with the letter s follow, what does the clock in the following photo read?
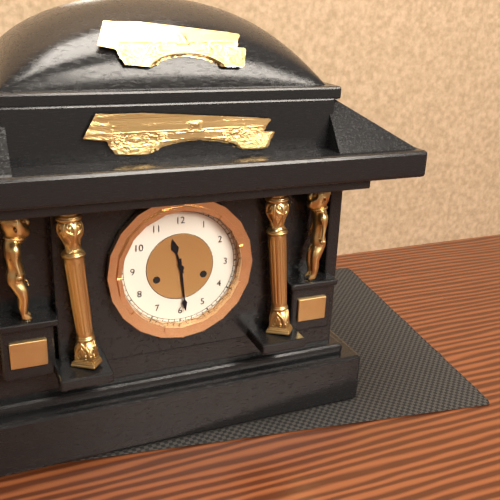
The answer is 11h29
